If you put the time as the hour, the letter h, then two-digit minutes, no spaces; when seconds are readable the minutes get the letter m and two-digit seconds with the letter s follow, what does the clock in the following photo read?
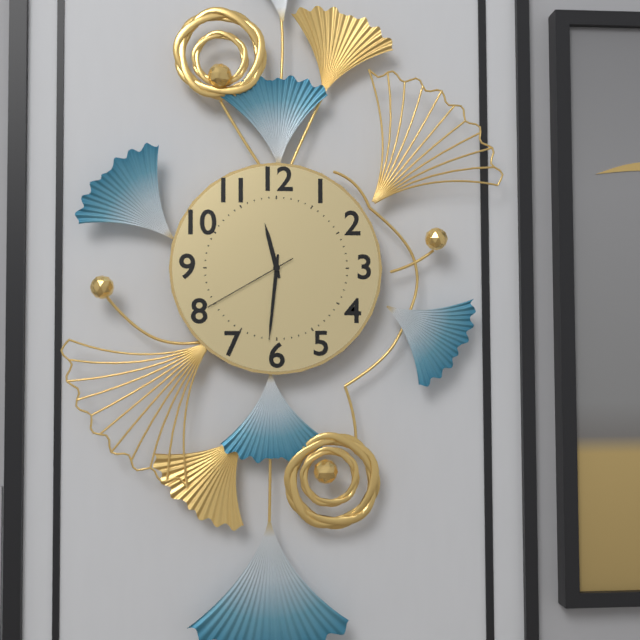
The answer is 11h31m40s
